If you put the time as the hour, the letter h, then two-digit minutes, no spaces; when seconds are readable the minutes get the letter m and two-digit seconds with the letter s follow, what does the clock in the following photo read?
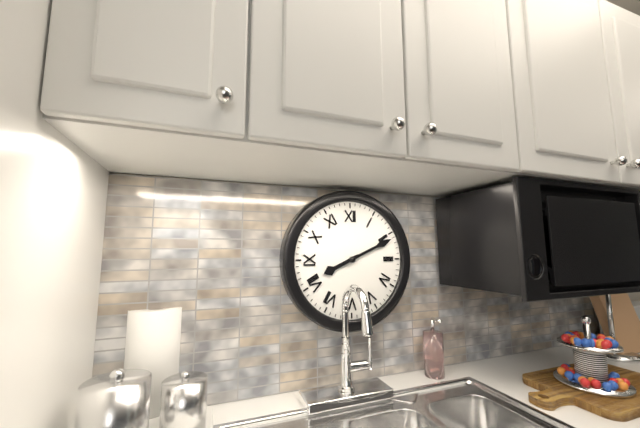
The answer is 8h11
